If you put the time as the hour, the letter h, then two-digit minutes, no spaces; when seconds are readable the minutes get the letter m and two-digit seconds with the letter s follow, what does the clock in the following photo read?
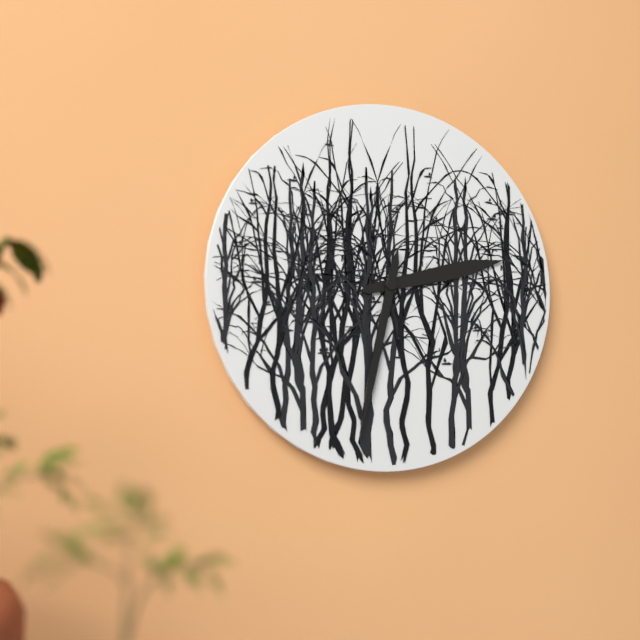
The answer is 2h32
